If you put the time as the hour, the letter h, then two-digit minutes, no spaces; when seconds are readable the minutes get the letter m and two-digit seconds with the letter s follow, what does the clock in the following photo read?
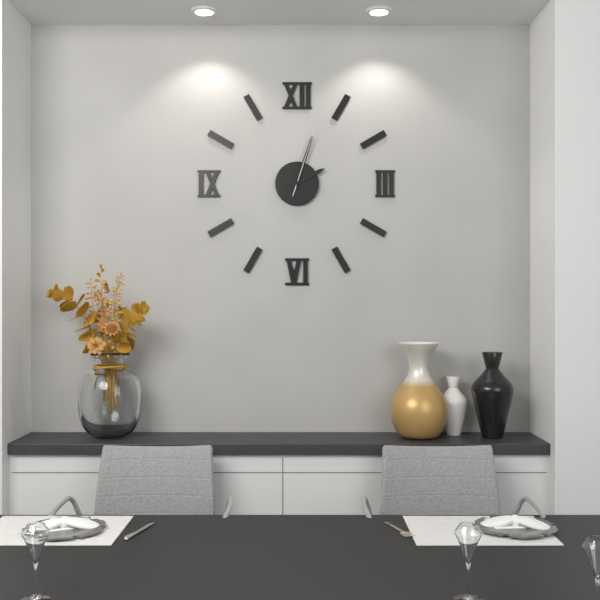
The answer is 2h03m03s
